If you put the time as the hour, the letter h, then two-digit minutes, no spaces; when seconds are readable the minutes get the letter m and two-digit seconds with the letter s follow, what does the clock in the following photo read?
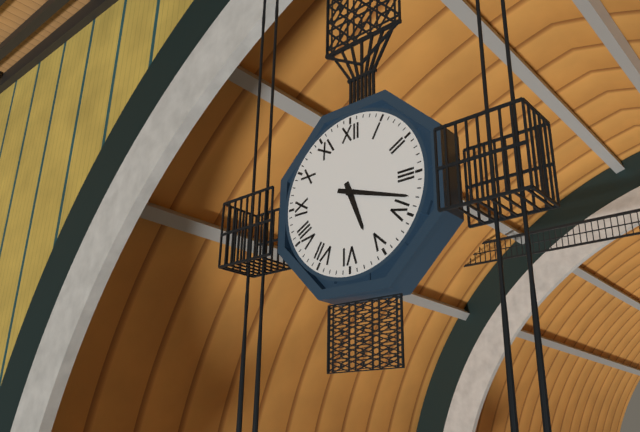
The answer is 5h18
